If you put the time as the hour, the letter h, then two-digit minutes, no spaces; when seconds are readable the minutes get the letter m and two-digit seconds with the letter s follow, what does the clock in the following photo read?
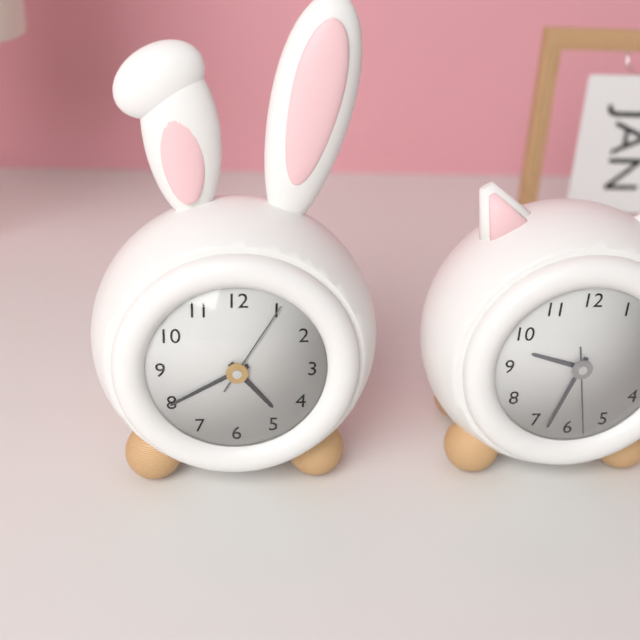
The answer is 4h40m05s
